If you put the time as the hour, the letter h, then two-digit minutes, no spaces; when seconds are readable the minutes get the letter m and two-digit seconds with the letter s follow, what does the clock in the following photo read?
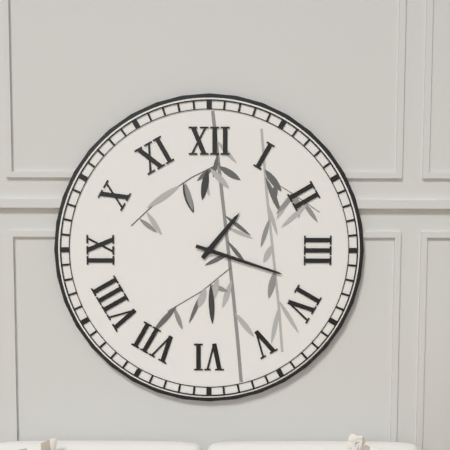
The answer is 1h18
